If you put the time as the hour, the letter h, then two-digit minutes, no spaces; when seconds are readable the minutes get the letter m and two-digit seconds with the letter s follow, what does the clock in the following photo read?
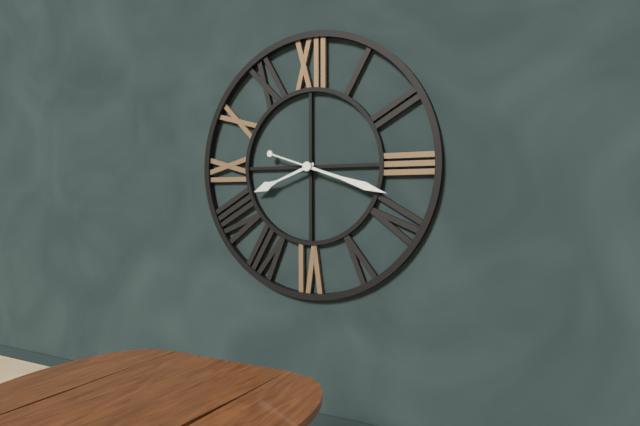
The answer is 8h18
